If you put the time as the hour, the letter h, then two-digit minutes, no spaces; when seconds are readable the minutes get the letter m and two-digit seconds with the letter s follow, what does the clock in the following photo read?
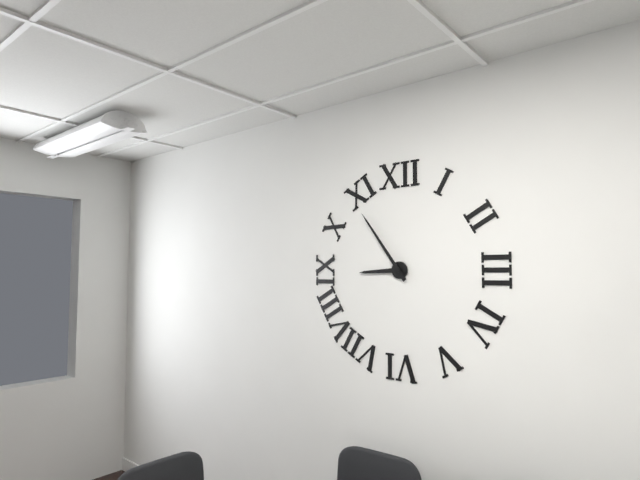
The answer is 8h54
